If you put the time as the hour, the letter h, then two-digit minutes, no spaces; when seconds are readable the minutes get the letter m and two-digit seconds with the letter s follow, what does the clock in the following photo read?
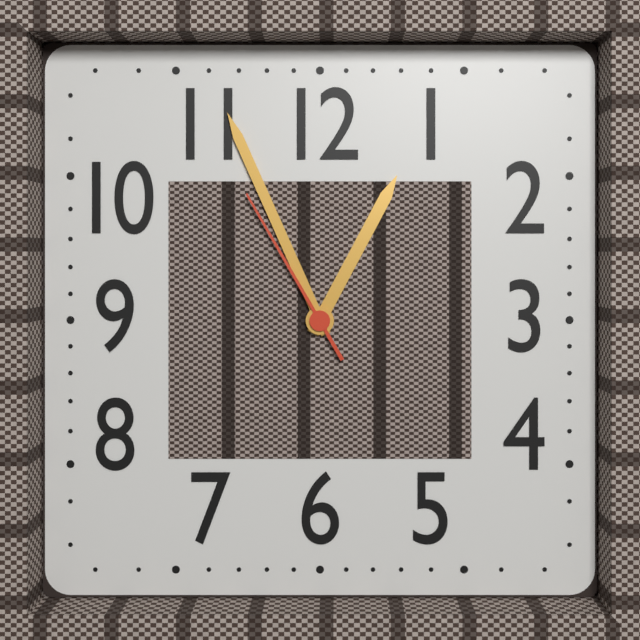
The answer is 12h56m55s
